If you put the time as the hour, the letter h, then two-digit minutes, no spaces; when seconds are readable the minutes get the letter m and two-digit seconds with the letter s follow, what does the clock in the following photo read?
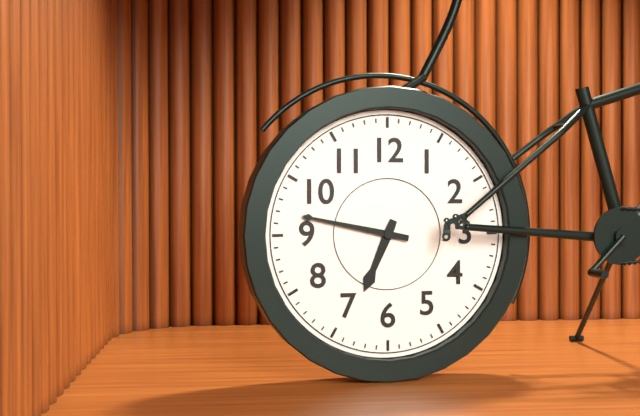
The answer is 6h47
